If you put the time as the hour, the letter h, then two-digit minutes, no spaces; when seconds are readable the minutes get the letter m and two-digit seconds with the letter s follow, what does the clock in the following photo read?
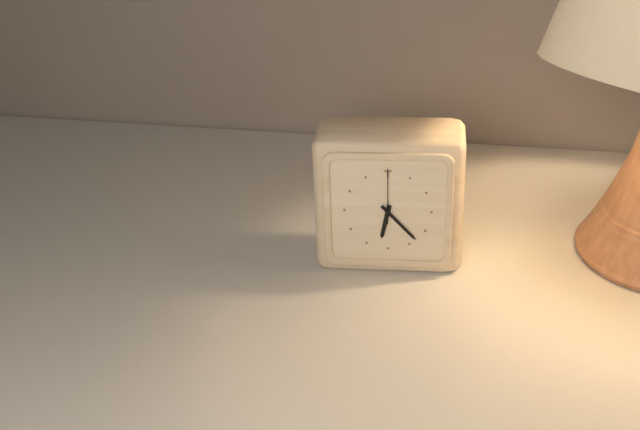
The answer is 6h23m00s
